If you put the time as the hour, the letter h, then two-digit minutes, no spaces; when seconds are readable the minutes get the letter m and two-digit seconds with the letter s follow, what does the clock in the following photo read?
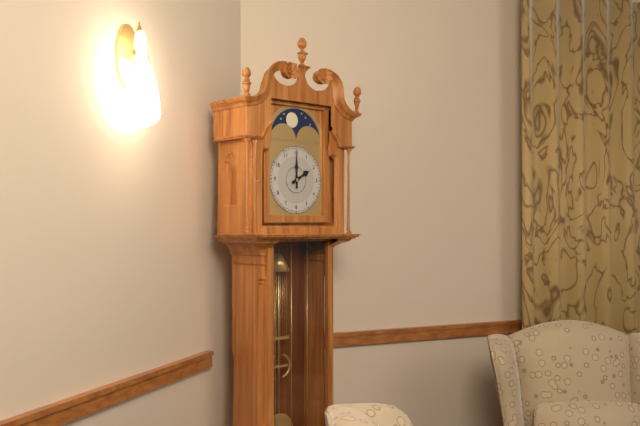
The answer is 2h00
